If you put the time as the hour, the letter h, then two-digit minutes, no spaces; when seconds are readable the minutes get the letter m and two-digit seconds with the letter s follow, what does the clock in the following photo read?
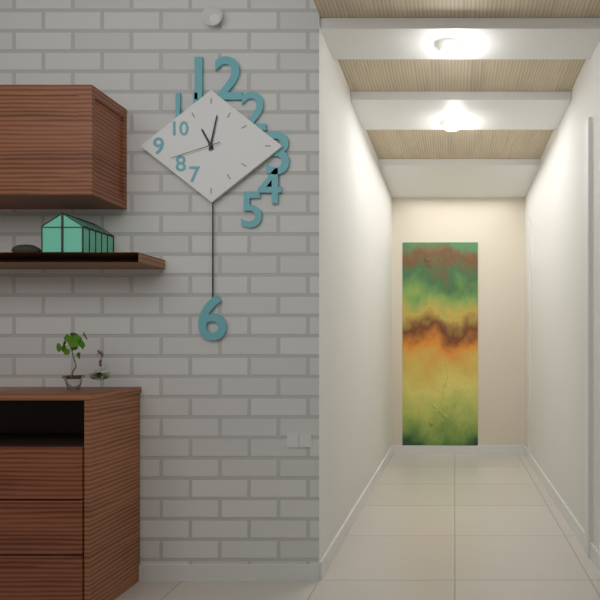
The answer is 11h02m42s
